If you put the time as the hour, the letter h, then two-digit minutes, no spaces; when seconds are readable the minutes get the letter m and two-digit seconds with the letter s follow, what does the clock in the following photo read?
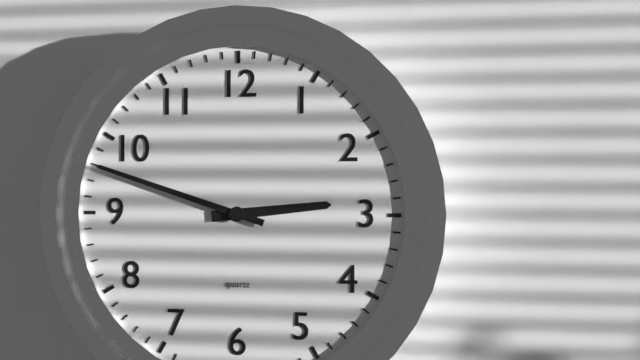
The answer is 2h48
